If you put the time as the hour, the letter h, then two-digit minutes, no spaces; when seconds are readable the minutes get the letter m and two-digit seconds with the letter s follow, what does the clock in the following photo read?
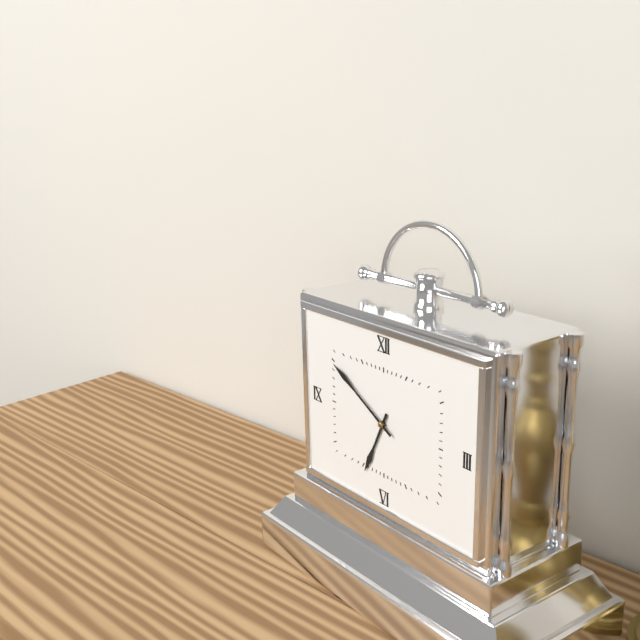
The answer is 6h50
